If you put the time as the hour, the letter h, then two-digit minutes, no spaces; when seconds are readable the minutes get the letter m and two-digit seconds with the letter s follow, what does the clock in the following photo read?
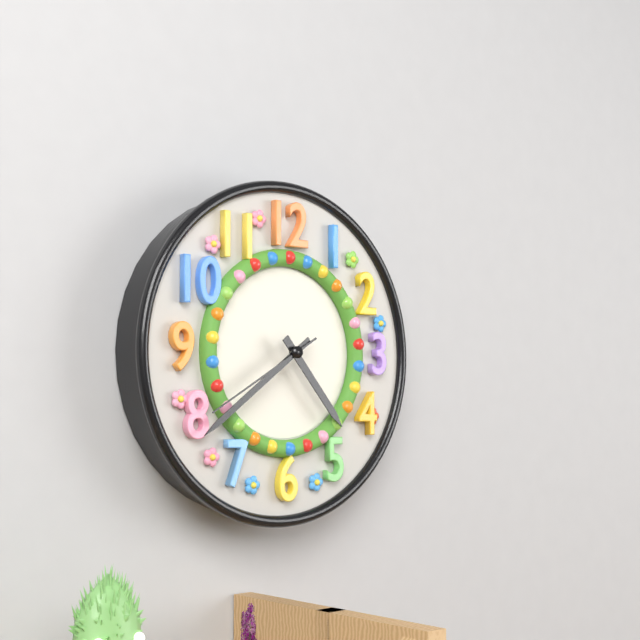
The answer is 4h39m40s
